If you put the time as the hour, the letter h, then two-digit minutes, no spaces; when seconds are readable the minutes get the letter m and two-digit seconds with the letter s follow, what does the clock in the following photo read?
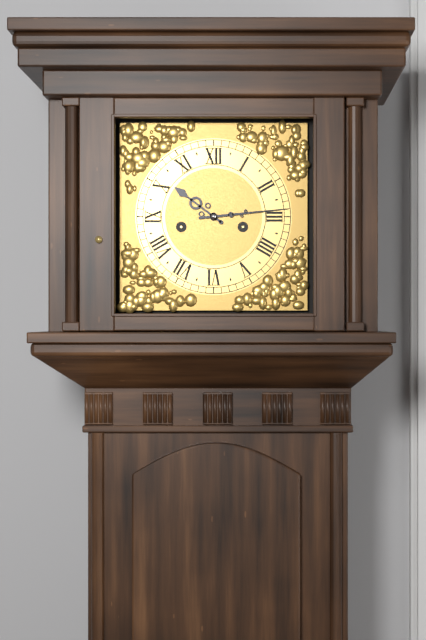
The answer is 10h14
